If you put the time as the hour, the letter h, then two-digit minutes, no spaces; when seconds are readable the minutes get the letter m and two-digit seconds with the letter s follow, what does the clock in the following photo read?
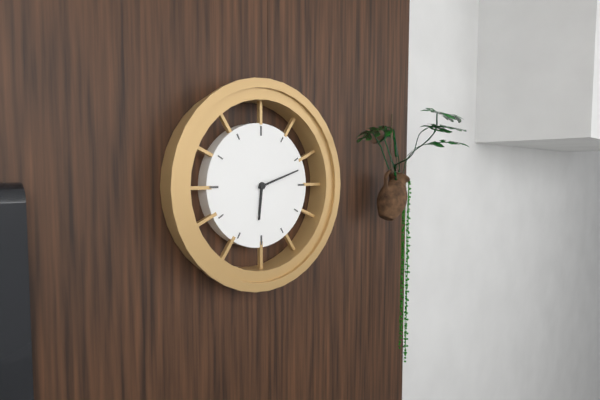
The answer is 6h12
